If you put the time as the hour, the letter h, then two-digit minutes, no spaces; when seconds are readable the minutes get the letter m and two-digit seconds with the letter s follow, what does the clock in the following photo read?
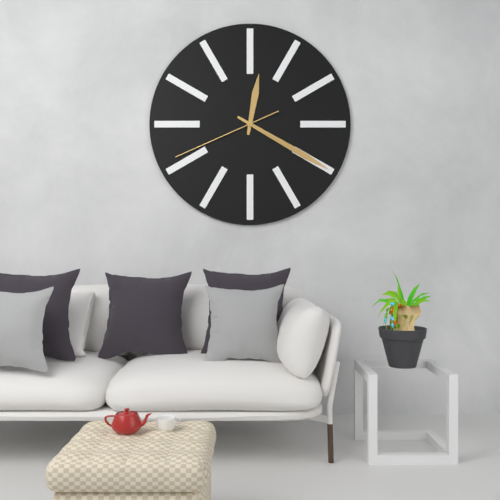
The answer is 12h20m41s
